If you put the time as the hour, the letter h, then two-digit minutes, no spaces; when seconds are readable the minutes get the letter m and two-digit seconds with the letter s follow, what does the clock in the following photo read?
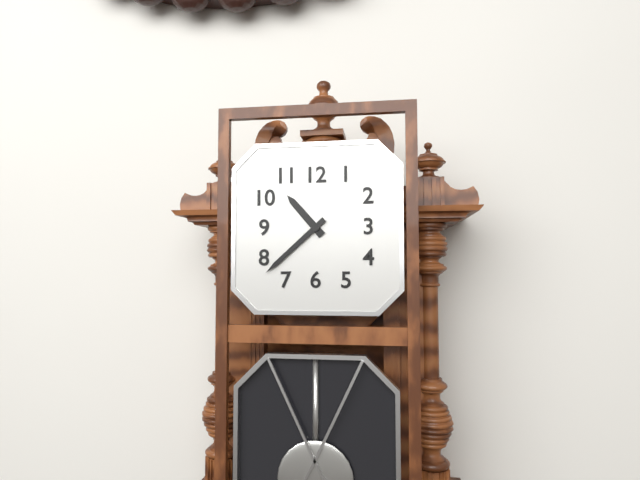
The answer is 10h38
